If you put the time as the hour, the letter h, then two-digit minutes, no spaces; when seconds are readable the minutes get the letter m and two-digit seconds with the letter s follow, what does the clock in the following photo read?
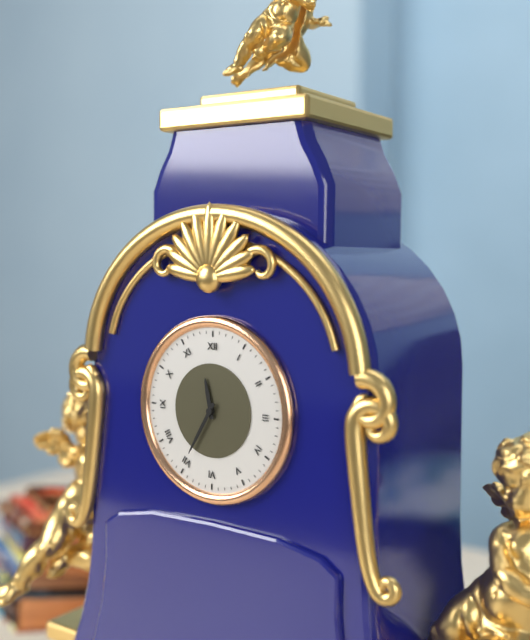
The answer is 11h35
